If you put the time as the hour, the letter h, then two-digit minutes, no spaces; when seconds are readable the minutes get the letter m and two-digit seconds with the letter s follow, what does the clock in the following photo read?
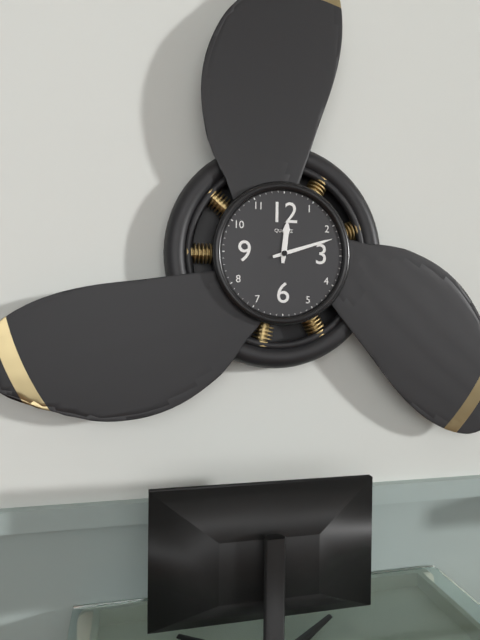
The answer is 12h12
